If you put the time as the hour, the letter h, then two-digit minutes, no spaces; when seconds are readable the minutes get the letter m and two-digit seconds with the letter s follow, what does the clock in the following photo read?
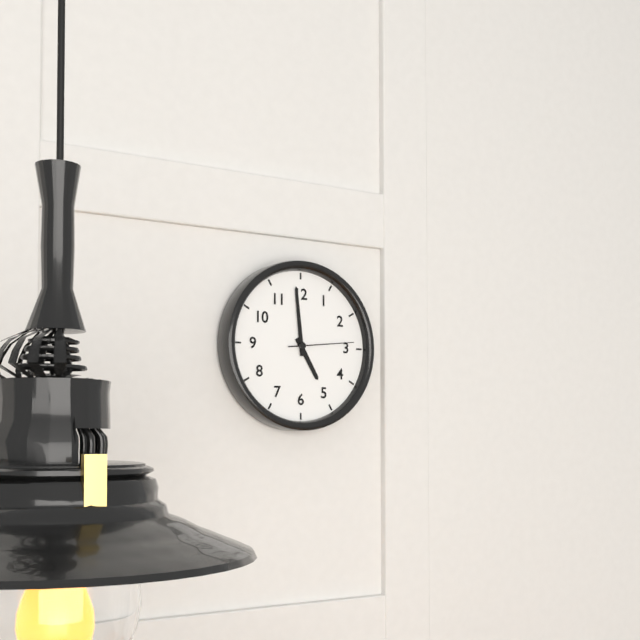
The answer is 4h59m14s
